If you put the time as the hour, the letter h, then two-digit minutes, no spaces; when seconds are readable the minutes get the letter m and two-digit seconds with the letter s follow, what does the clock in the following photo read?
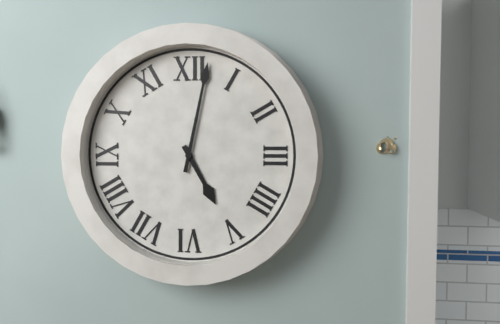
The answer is 5h02
